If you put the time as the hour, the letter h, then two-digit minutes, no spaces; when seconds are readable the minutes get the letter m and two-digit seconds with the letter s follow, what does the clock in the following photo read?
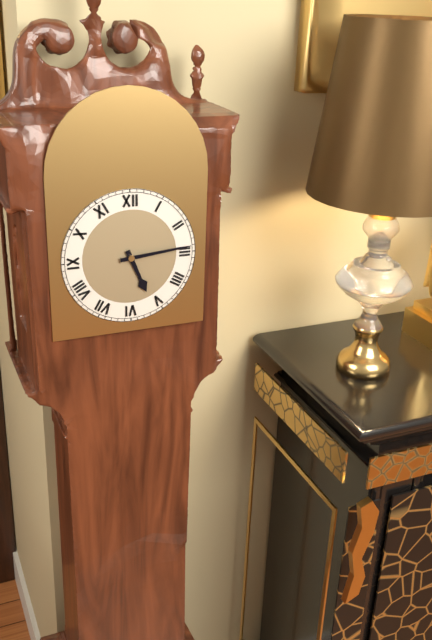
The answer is 5h14
